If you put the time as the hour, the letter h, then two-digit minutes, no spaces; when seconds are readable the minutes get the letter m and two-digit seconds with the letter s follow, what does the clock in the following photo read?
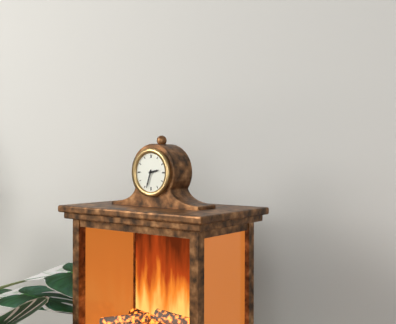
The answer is 2h33
